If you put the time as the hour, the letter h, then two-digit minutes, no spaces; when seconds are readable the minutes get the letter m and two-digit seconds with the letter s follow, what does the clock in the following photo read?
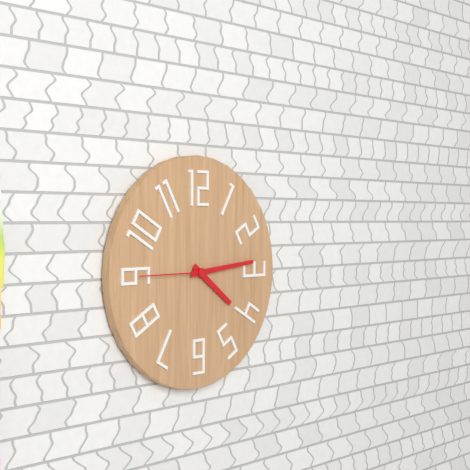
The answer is 4h14m45s
